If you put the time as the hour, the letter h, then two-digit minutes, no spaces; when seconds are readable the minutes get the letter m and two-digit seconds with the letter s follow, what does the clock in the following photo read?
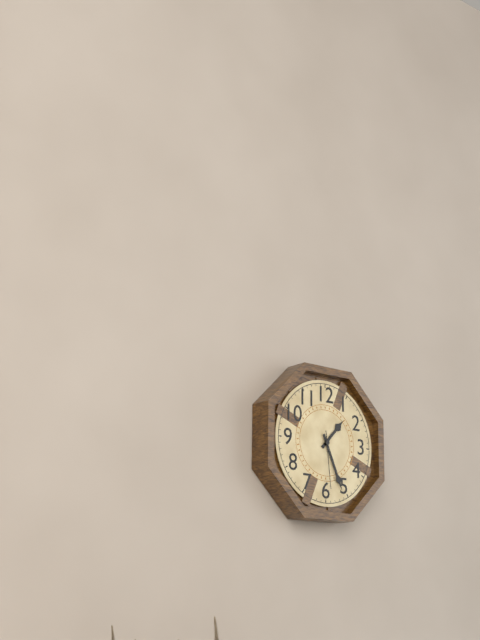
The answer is 1h26m29s
